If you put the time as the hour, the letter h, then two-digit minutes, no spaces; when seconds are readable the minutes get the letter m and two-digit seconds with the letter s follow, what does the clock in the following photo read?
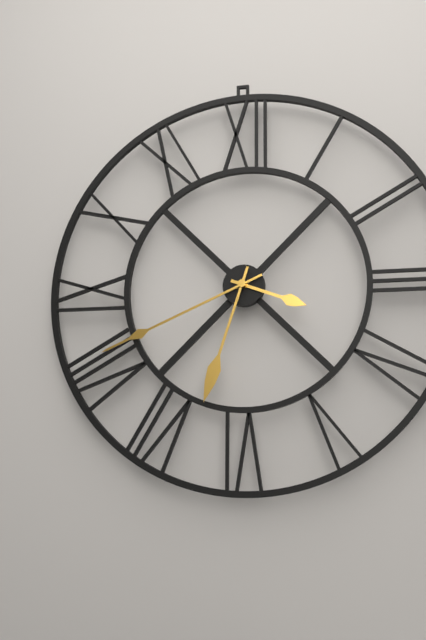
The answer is 3h41m33s
